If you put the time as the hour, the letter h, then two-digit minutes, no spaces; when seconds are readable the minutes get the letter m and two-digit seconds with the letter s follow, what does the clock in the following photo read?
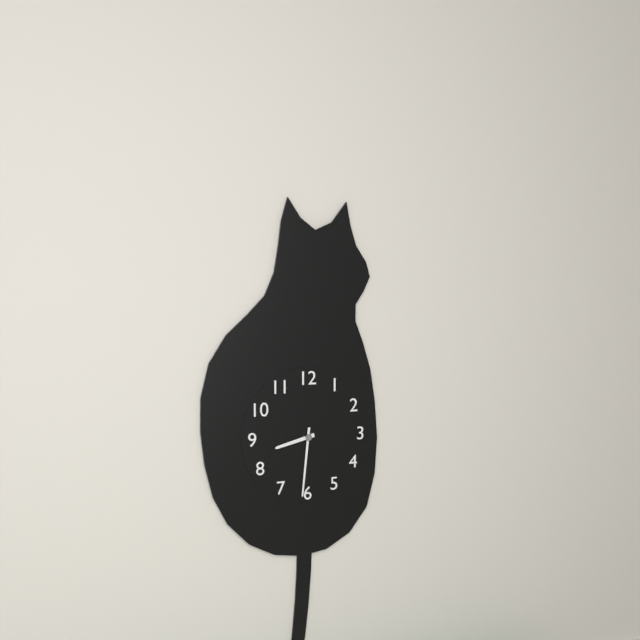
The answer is 8h31
